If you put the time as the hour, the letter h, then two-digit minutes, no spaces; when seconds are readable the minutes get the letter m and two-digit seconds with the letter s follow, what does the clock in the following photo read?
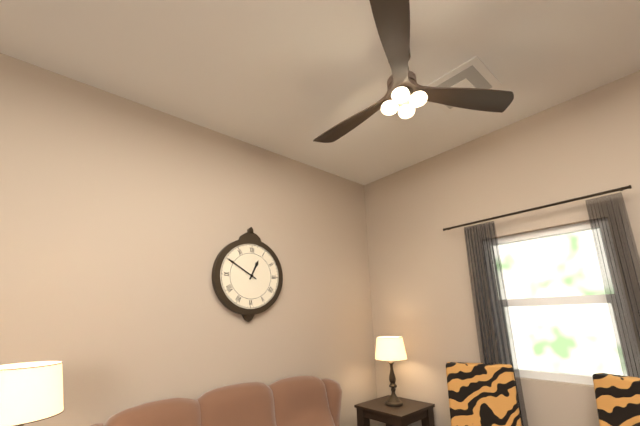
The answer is 12h50
